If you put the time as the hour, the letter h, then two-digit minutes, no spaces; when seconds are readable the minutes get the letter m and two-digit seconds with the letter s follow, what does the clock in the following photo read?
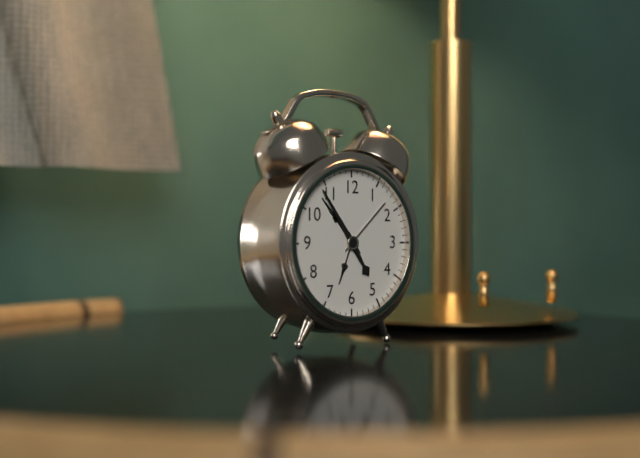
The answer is 4h54
